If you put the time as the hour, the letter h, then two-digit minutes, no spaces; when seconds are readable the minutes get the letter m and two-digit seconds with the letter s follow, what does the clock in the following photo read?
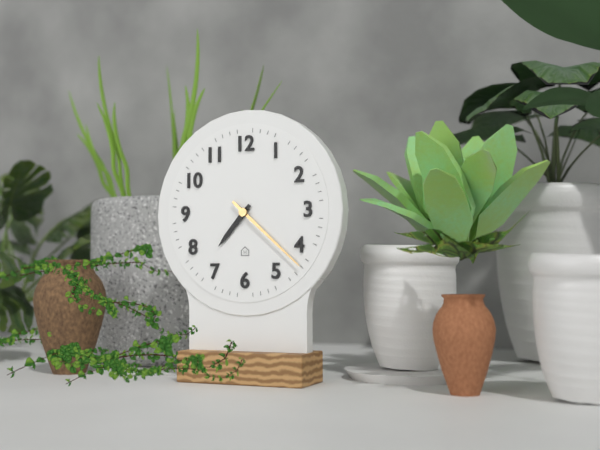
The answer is 7h22
